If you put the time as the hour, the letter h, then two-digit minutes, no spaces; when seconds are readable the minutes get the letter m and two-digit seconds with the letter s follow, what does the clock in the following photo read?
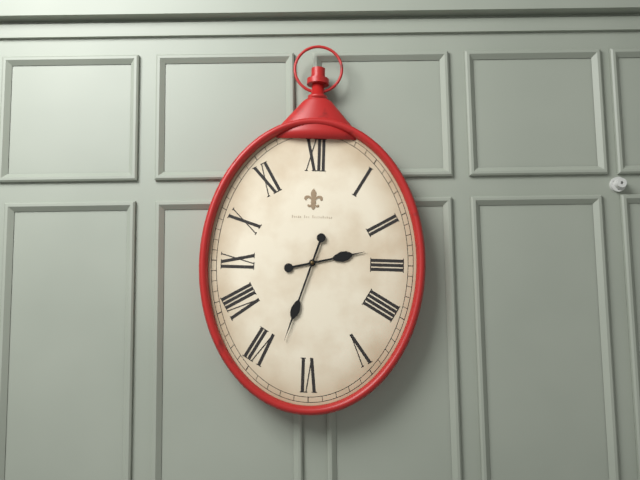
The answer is 2h33
